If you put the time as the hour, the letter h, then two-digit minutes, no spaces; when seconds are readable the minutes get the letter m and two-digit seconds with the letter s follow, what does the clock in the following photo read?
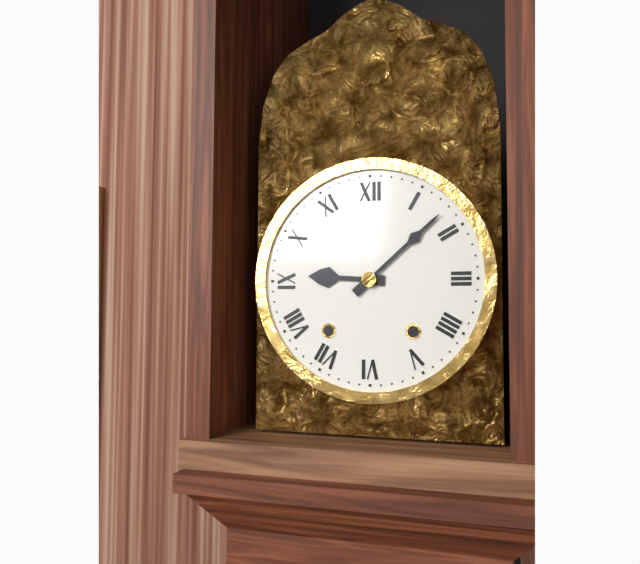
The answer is 9h08
